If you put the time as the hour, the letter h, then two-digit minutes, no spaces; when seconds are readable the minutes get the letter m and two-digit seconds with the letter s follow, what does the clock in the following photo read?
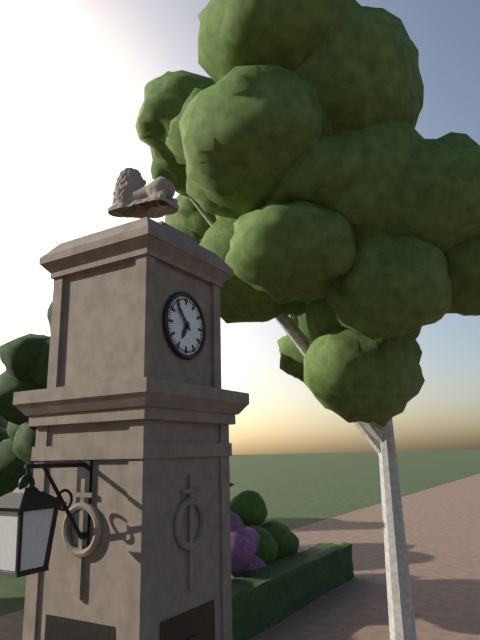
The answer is 6h53
